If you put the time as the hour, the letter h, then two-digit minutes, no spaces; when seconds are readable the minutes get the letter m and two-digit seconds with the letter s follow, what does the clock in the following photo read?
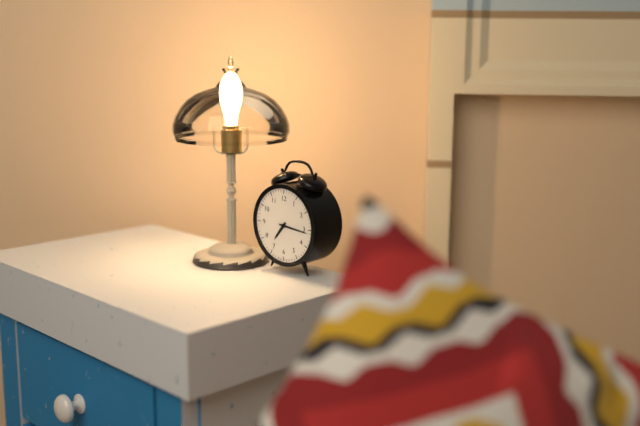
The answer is 7h16
